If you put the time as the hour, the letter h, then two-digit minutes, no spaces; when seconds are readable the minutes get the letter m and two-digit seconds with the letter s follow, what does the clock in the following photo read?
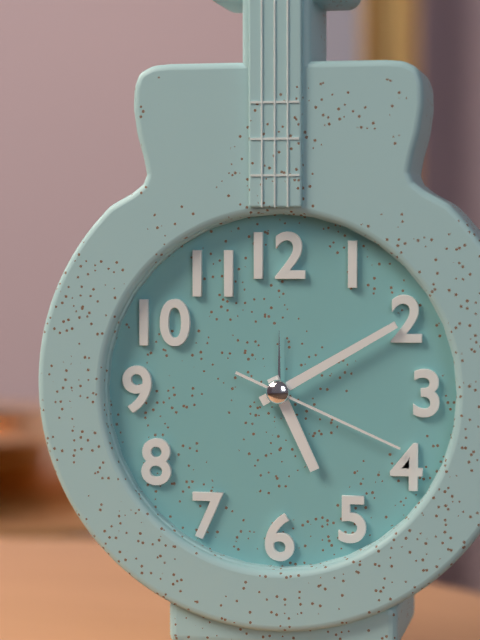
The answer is 5h10m19s
